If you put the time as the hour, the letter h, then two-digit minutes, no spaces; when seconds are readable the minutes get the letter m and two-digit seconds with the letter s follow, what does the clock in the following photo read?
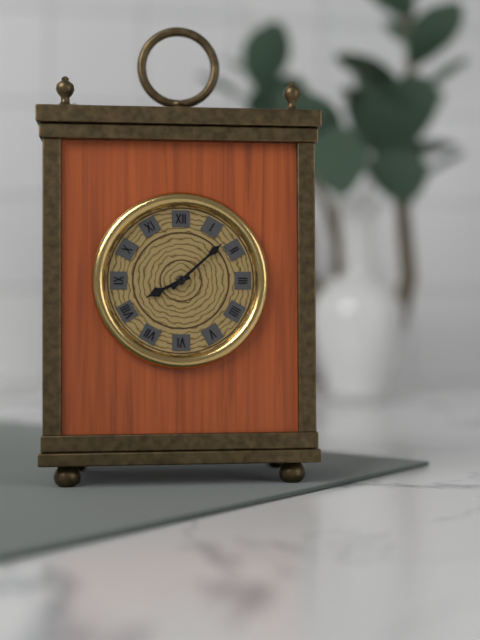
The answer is 8h08
